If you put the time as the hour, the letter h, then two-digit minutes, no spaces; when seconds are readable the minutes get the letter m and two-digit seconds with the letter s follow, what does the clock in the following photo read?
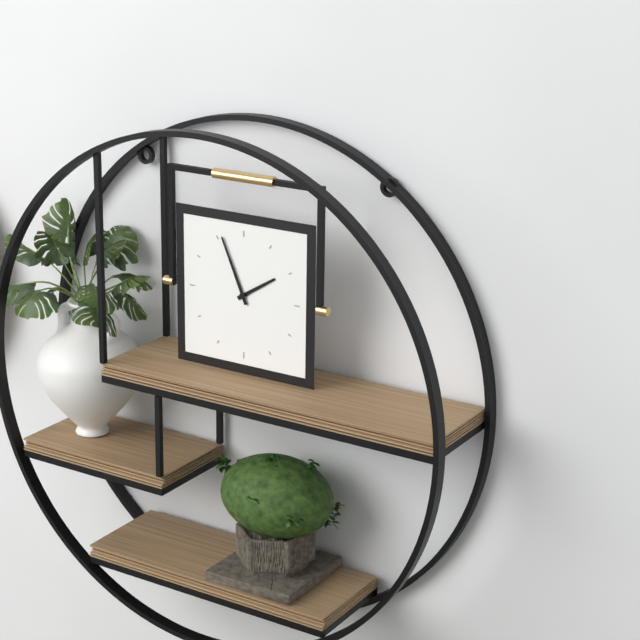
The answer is 1h56
